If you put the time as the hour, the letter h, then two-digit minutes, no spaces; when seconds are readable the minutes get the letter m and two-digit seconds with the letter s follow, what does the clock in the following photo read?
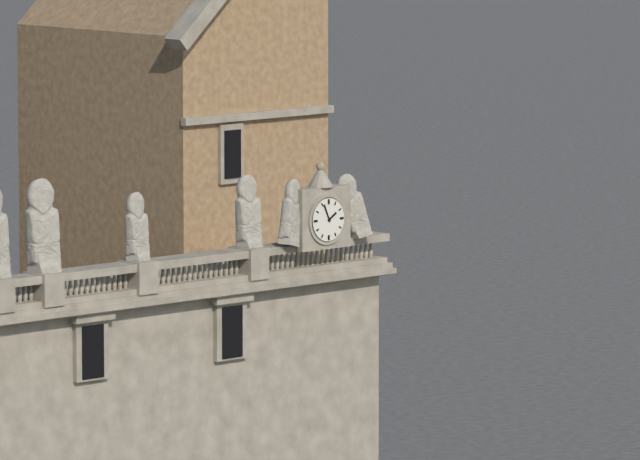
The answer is 1h56
